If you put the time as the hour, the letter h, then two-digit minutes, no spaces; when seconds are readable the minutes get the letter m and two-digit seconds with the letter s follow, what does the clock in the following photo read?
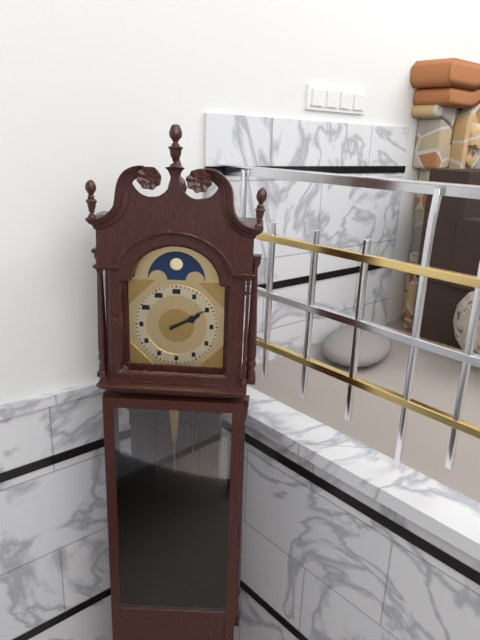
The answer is 2h10
